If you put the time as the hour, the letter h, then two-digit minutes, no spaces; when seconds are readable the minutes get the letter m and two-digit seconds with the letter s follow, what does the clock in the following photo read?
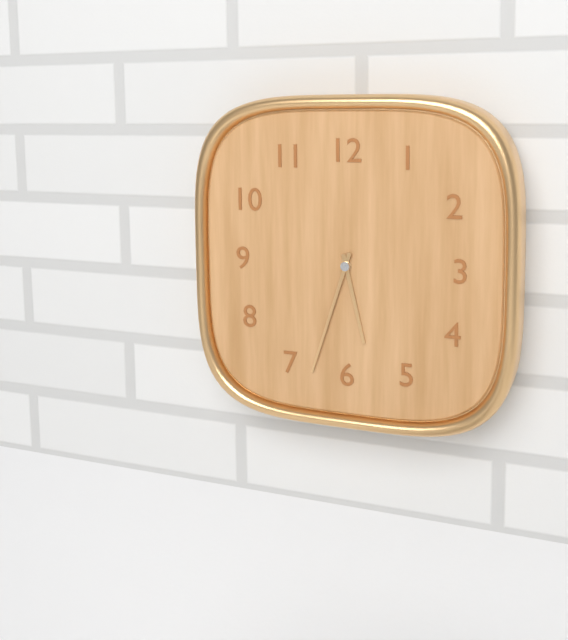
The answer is 5h33
